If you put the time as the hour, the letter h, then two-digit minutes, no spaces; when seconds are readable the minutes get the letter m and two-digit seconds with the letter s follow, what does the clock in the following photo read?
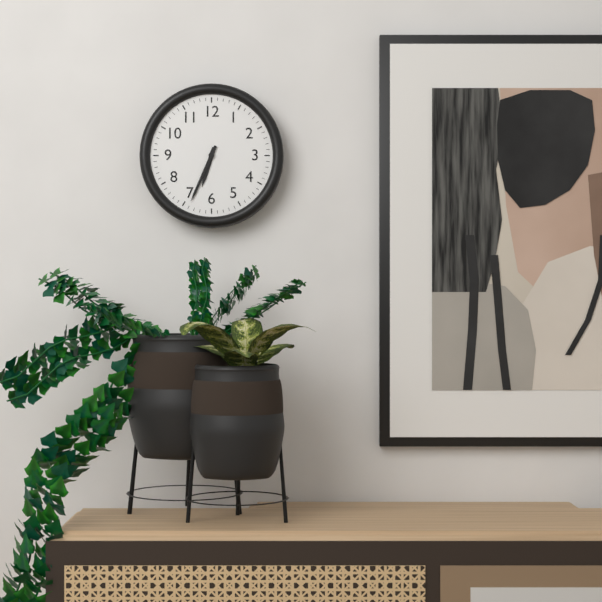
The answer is 6h34
